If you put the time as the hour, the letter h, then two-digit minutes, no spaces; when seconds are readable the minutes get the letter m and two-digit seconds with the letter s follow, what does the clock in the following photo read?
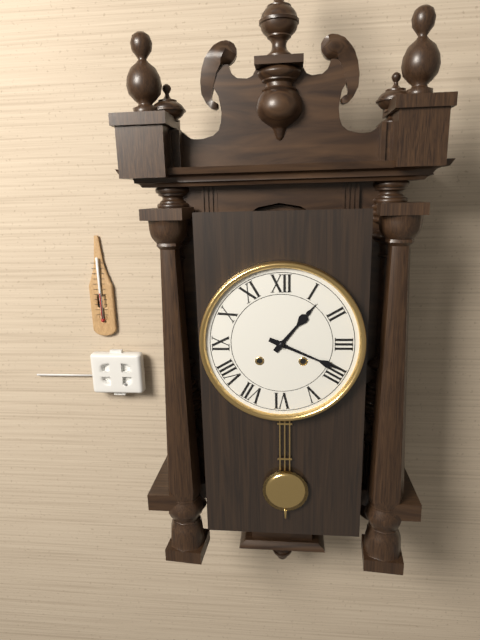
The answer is 1h19
